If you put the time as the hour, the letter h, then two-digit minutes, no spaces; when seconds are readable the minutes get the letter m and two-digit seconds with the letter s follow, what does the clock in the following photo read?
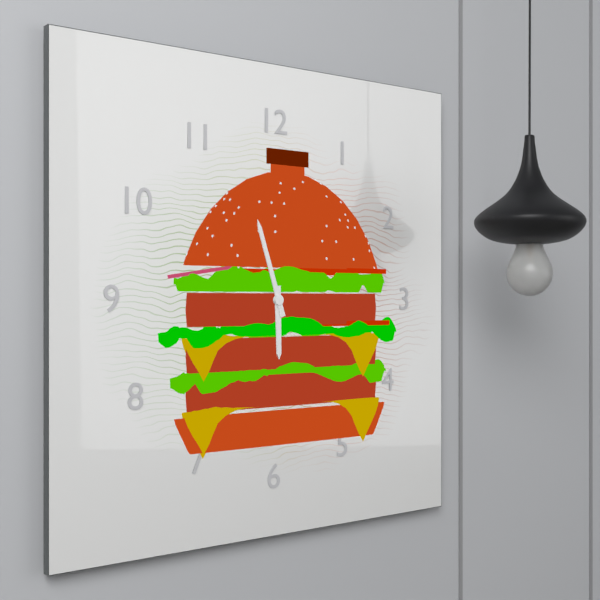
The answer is 5h57
